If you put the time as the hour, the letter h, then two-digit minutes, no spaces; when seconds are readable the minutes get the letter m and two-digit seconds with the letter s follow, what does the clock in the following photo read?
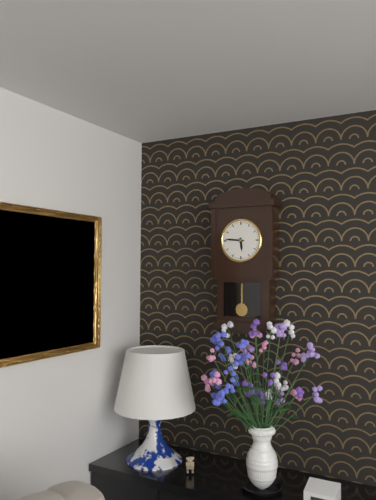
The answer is 5h46
